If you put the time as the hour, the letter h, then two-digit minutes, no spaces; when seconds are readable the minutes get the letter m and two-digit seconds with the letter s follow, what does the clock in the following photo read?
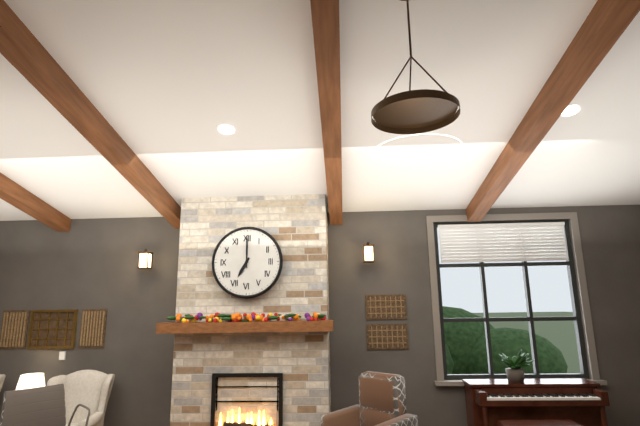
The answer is 7h00
